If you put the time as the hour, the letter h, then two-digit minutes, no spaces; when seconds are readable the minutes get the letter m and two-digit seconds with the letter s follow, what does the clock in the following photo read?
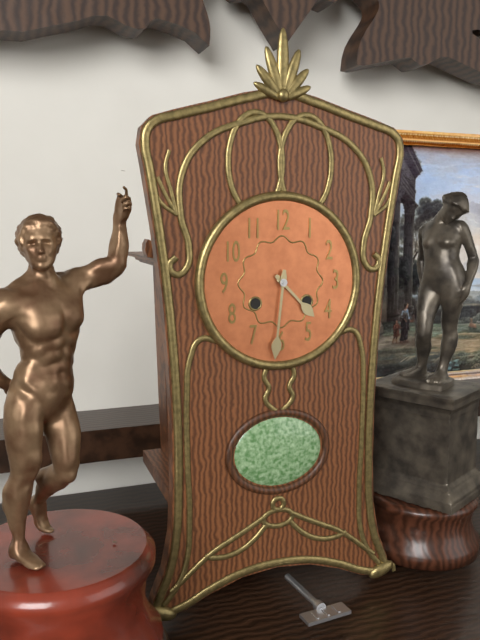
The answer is 4h31
